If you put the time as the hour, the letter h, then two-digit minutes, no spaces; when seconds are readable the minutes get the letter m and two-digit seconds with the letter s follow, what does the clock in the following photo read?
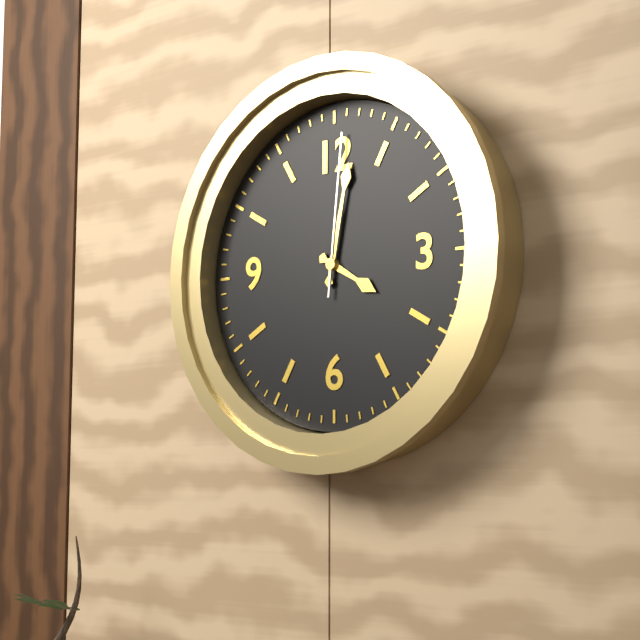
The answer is 4h02m01s
